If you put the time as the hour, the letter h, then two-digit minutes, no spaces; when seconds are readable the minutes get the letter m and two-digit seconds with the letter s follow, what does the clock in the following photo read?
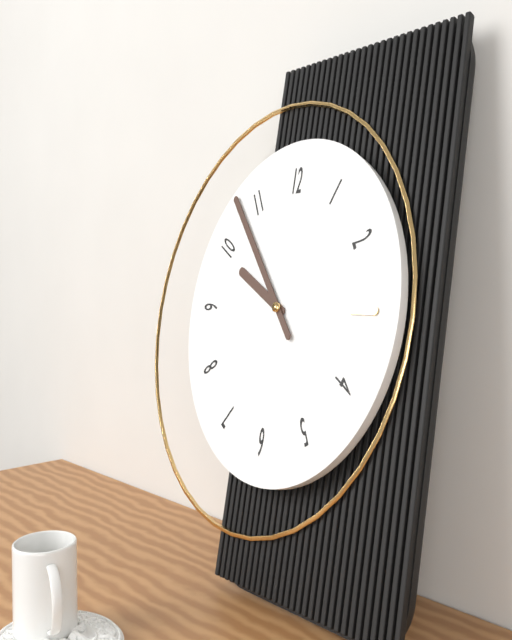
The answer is 9h53
